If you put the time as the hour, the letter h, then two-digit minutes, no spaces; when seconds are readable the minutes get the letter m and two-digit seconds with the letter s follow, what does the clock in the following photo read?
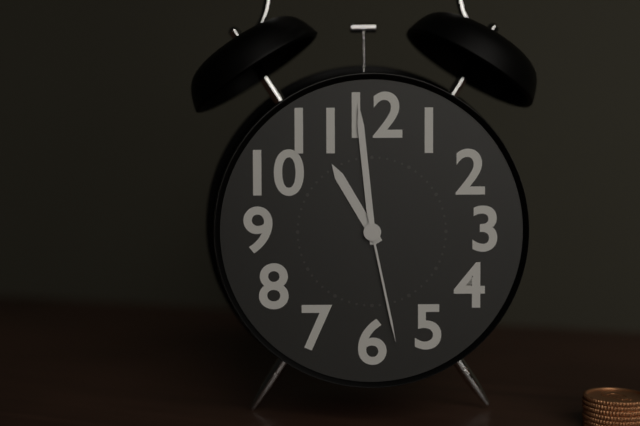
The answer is 10h59m28s
